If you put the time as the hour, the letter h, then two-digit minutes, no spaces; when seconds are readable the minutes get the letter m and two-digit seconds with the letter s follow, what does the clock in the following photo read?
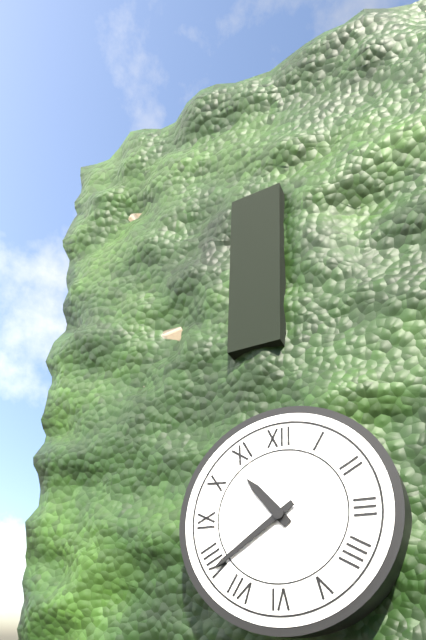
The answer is 10h39
